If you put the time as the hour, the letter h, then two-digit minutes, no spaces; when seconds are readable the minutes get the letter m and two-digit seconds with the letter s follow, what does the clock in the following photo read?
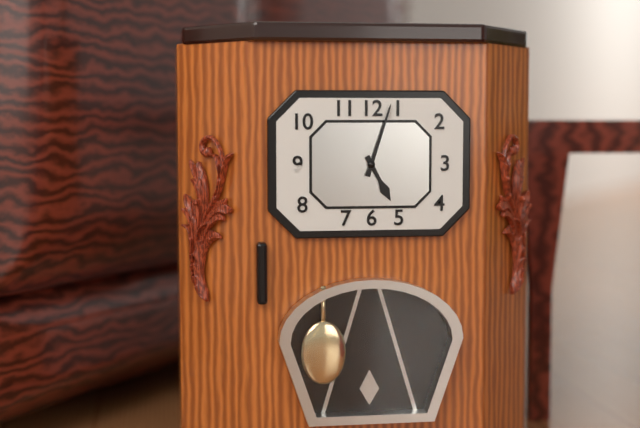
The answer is 5h03
